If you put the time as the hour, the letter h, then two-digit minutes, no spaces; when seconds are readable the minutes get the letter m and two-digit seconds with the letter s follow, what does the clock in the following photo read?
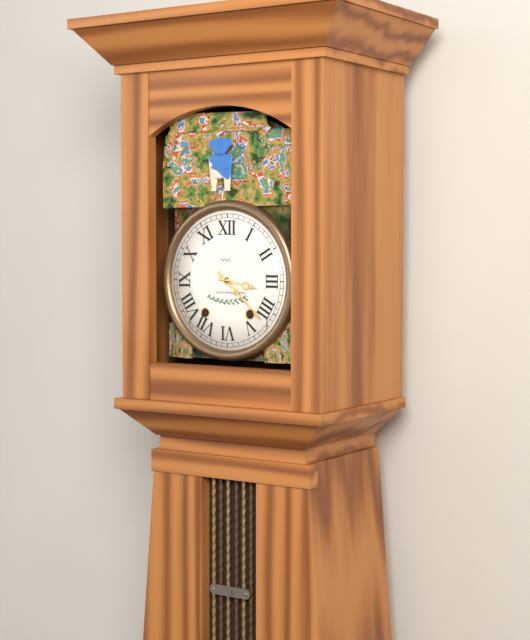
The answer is 3h22
